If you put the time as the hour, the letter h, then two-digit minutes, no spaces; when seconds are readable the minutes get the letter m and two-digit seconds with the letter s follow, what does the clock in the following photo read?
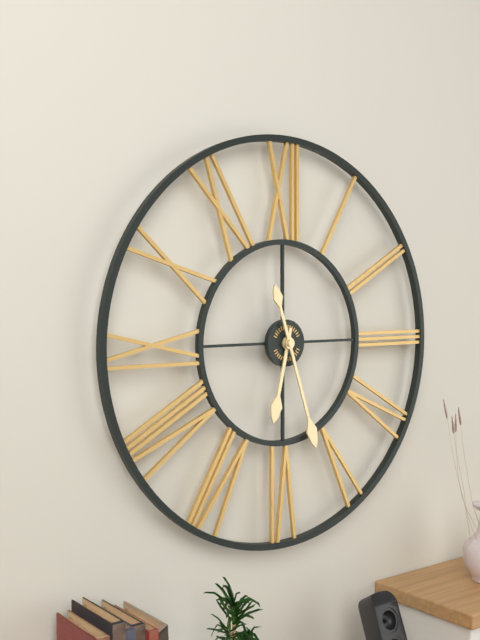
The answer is 6h27
